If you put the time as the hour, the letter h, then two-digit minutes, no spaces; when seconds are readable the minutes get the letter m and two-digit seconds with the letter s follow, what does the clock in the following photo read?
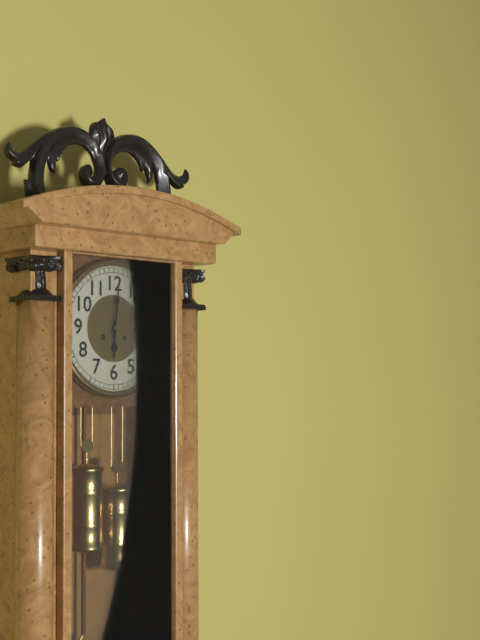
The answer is 6h01
